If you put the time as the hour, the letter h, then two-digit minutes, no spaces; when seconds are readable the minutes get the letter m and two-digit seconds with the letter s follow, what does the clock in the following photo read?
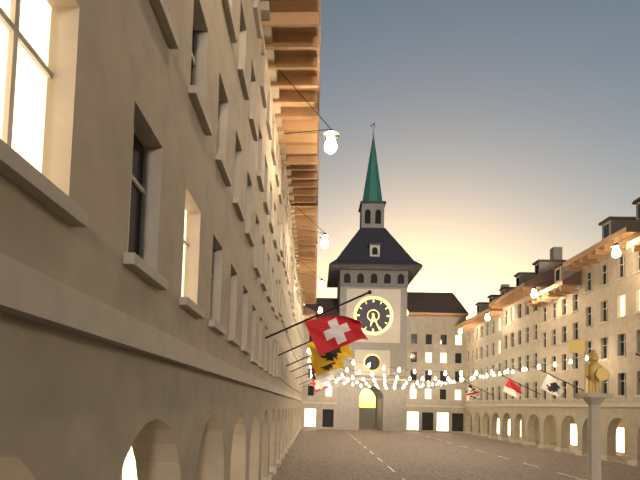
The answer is 6h26
